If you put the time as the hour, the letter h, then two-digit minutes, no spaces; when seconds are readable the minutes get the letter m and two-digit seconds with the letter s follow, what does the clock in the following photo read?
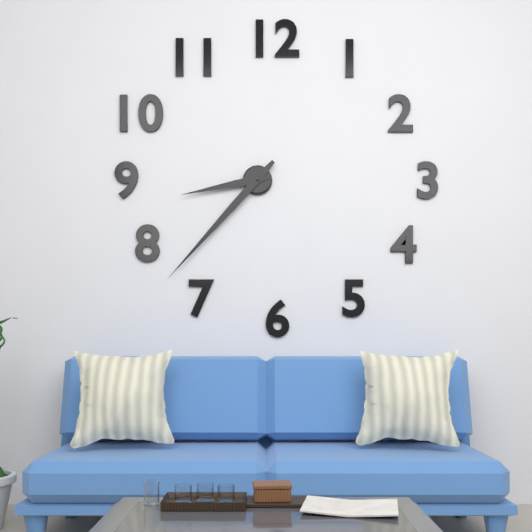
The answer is 8h37
